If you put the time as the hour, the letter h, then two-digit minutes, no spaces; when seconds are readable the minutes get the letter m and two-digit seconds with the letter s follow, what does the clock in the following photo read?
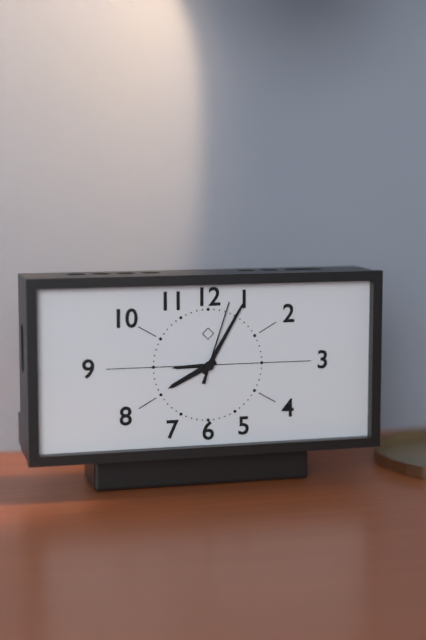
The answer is 8h05m03s
